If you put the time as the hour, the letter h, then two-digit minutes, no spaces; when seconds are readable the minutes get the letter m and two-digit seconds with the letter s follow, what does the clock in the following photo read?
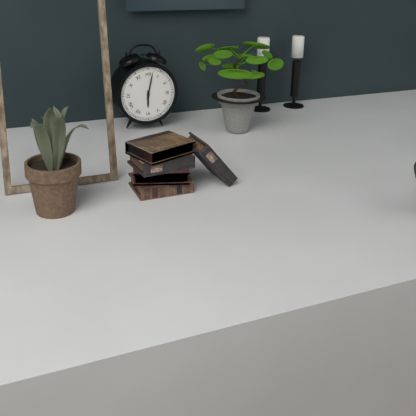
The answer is 6h02
